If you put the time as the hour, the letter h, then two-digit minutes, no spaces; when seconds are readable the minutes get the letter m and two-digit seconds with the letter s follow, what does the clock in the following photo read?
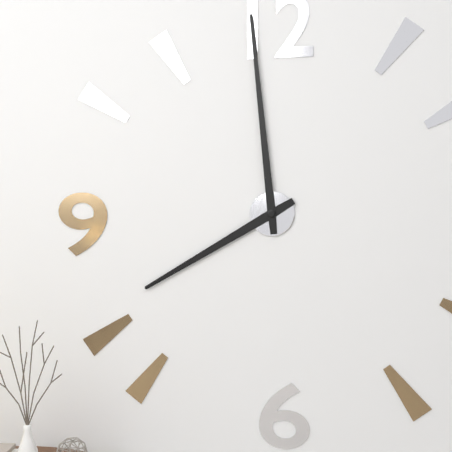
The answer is 7h59
